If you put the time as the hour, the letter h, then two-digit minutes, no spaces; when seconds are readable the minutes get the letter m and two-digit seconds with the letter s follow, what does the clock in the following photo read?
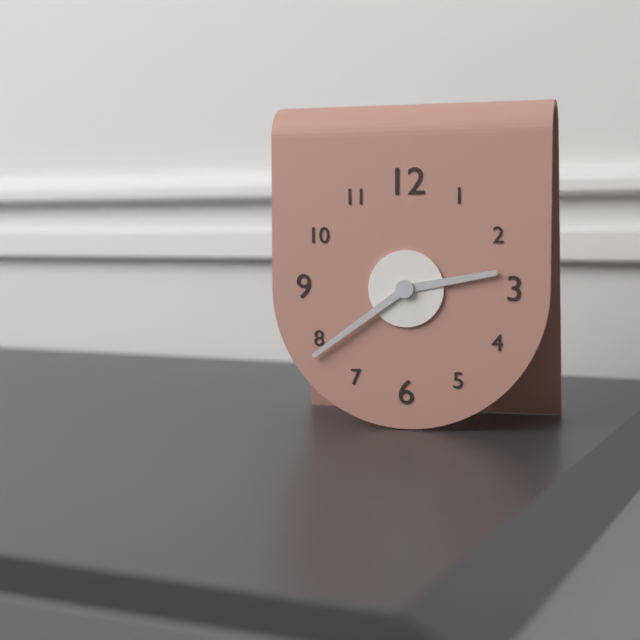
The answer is 2h39
